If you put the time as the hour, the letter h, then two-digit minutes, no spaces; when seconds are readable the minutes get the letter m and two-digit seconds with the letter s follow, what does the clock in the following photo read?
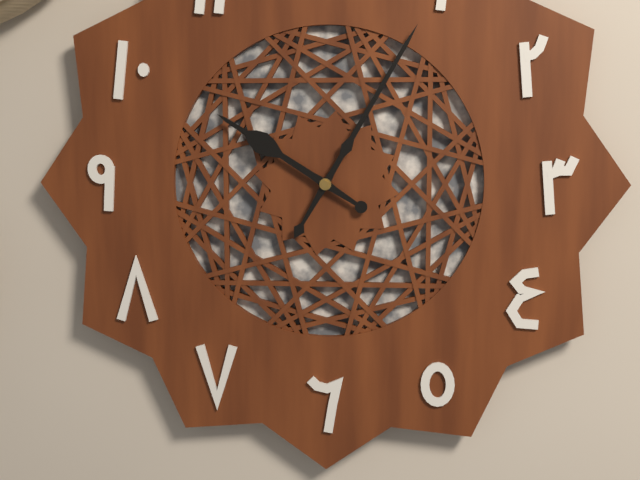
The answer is 10h05
